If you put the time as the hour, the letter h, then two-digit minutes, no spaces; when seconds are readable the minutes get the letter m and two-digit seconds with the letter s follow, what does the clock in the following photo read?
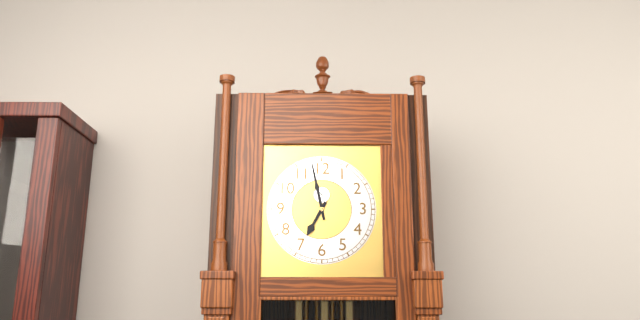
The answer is 6h58
